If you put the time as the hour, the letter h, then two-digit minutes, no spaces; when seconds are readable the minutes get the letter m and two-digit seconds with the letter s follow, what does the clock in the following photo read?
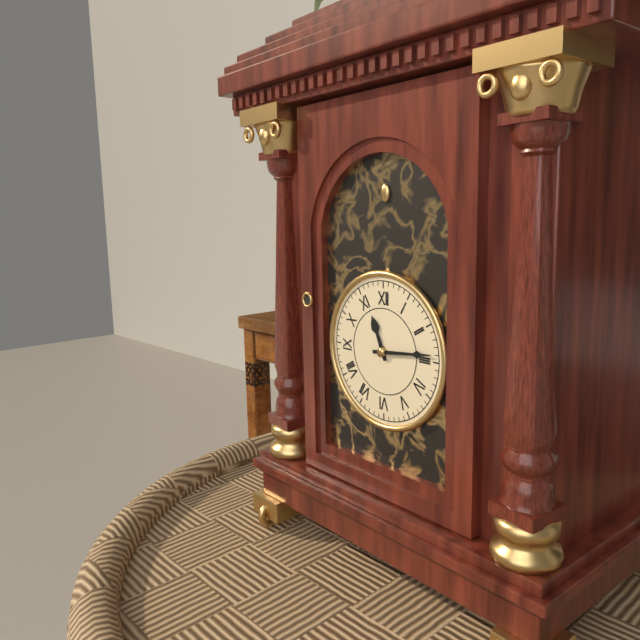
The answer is 11h14
